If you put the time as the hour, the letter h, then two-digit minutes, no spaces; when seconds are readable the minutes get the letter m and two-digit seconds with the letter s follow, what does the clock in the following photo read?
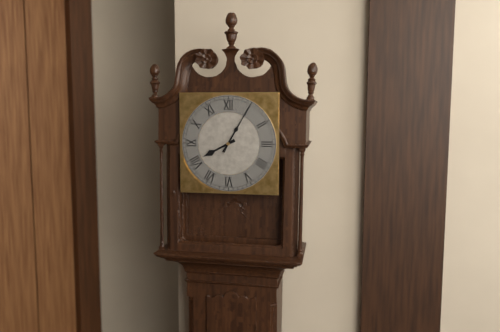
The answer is 8h05
